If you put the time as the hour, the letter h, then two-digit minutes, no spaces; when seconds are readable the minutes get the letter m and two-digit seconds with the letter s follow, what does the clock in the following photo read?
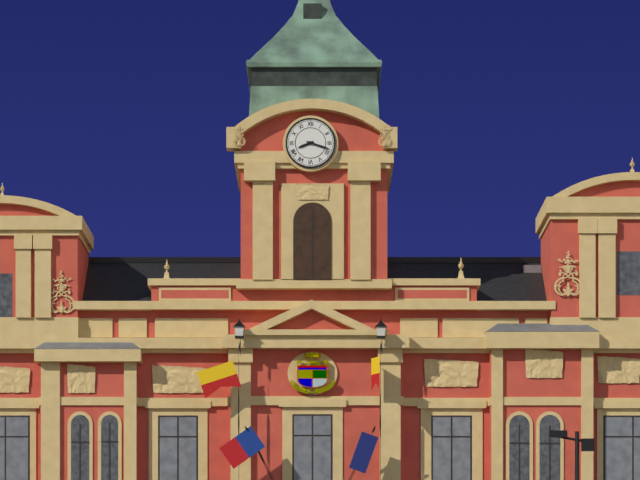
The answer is 8h18
